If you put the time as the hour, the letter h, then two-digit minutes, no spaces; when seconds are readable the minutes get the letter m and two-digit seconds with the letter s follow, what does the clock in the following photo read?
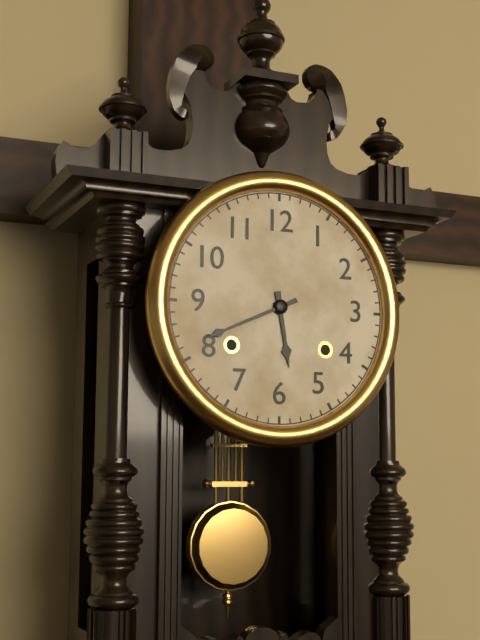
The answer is 5h41
